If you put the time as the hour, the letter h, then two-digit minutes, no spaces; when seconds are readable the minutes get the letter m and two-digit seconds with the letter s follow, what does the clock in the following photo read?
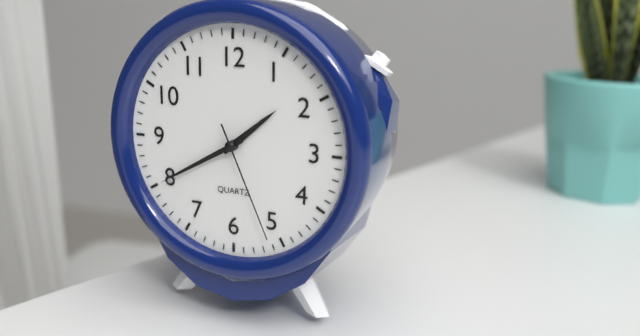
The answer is 1h40m26s
